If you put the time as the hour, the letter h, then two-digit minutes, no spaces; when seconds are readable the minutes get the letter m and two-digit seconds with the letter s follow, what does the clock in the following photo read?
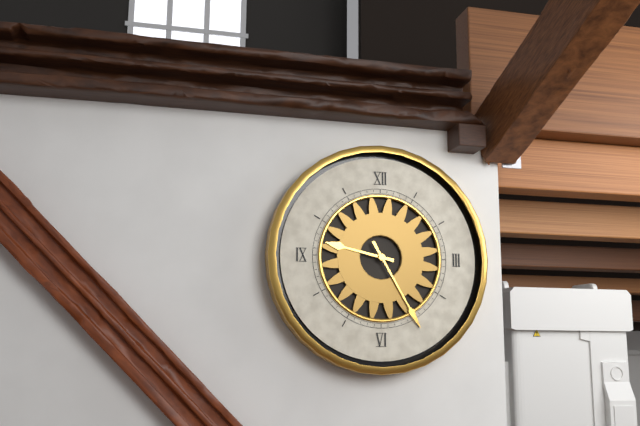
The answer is 9h25
